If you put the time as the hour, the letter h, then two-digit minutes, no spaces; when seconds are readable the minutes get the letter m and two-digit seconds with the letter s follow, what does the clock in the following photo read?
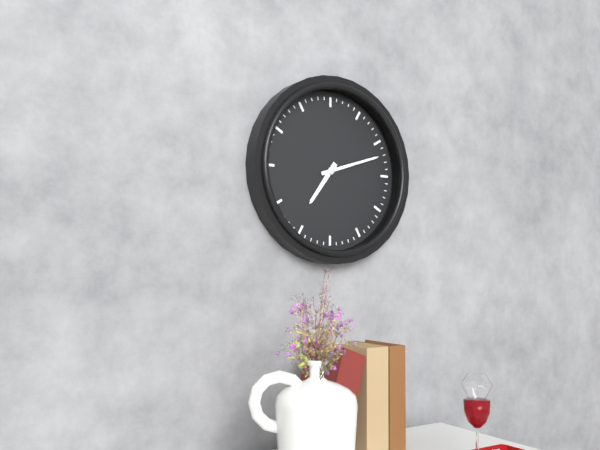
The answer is 7h12
